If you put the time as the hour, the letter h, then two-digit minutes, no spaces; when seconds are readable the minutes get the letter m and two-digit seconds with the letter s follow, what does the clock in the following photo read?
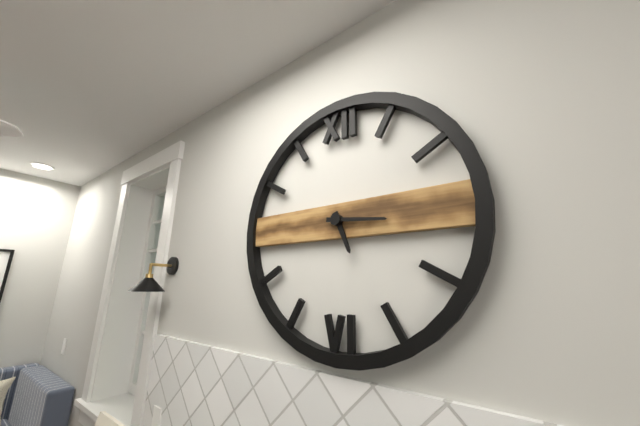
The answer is 5h16
